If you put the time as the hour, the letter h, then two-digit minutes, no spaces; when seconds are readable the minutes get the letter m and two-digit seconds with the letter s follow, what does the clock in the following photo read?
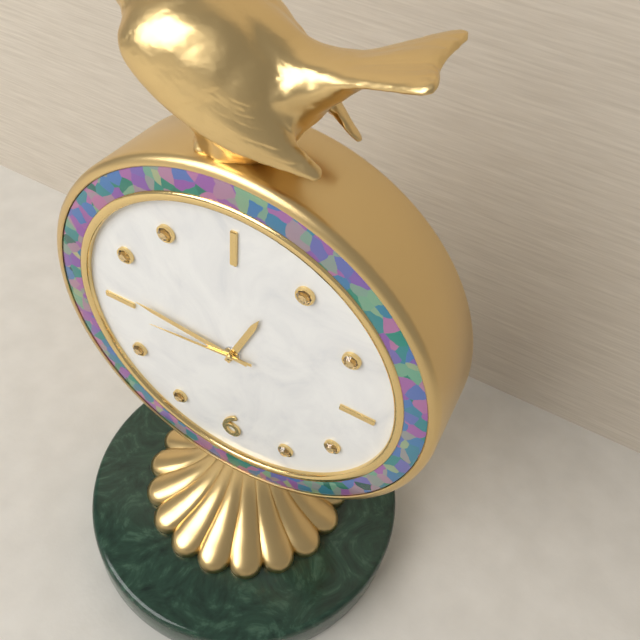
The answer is 12h46m44s
